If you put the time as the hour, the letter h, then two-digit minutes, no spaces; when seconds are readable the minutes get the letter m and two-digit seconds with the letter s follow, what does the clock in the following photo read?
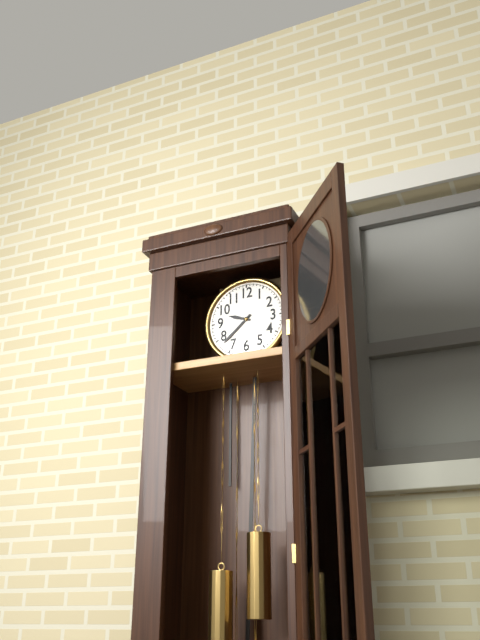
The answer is 9h38
